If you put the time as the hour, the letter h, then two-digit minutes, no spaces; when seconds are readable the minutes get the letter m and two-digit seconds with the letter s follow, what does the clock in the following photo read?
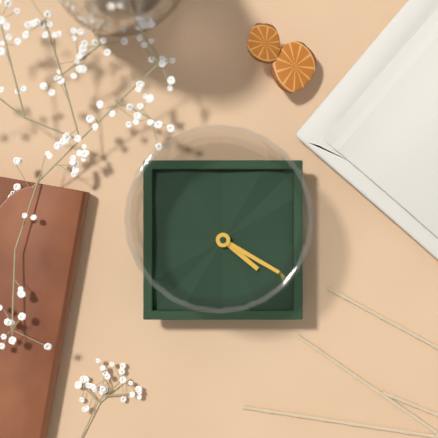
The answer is 4h20
